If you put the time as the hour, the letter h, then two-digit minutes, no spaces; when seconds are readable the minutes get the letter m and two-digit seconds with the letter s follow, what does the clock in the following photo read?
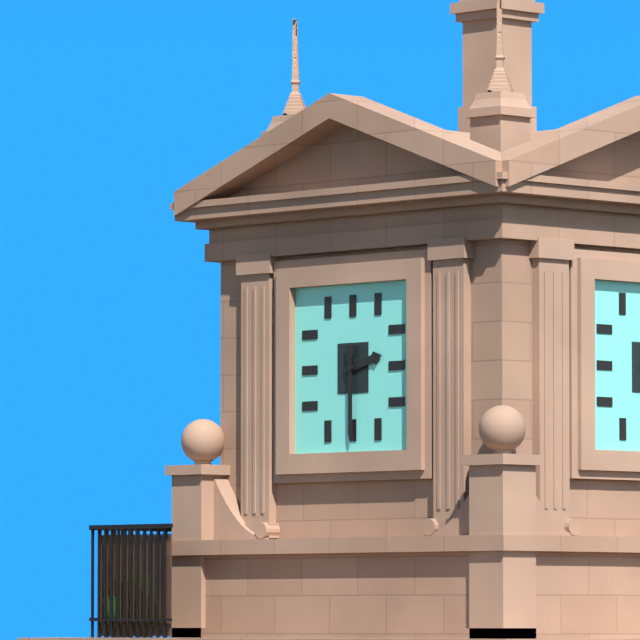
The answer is 2h30
